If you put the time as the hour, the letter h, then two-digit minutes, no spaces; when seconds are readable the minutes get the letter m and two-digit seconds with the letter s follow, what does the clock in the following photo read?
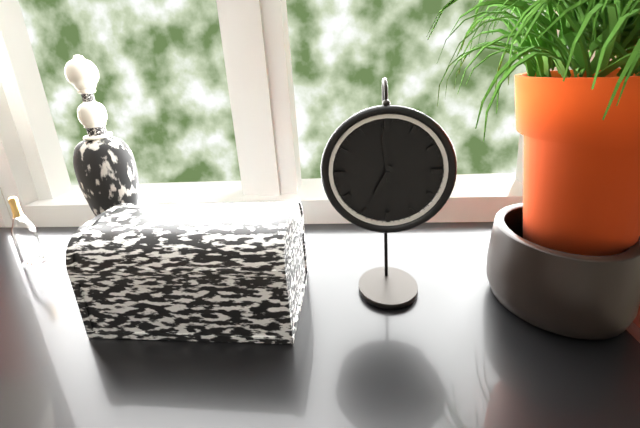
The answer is 6h59
